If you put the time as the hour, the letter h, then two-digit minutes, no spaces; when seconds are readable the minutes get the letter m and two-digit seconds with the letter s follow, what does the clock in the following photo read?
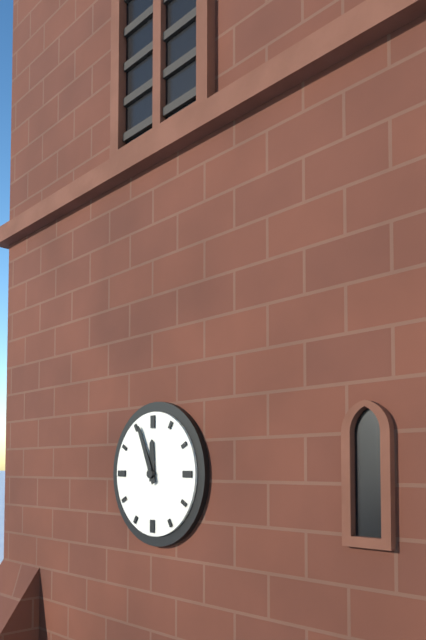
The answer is 11h56
